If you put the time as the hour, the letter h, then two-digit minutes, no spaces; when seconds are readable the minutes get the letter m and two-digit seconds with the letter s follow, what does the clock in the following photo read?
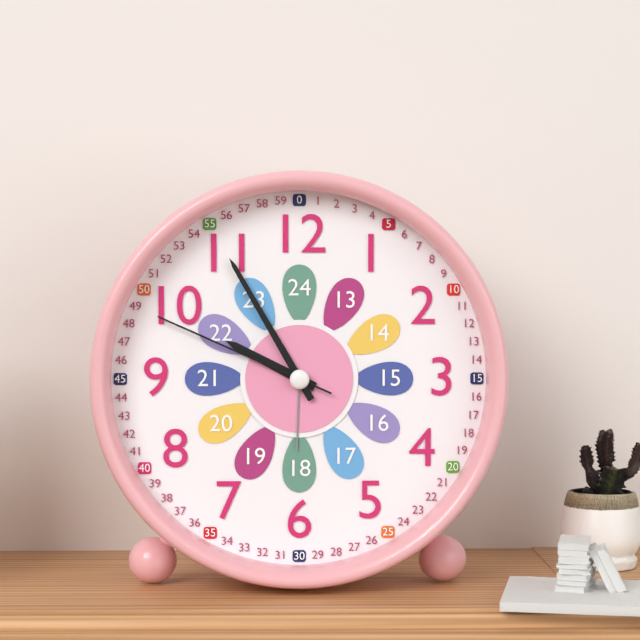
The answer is 9h55m49s
